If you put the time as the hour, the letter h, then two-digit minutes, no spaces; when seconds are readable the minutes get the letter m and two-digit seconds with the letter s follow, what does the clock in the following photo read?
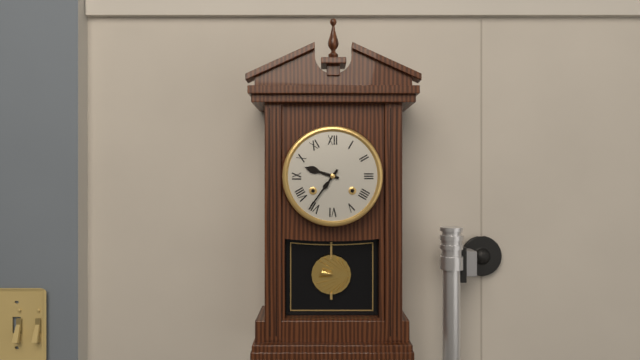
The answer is 9h36
